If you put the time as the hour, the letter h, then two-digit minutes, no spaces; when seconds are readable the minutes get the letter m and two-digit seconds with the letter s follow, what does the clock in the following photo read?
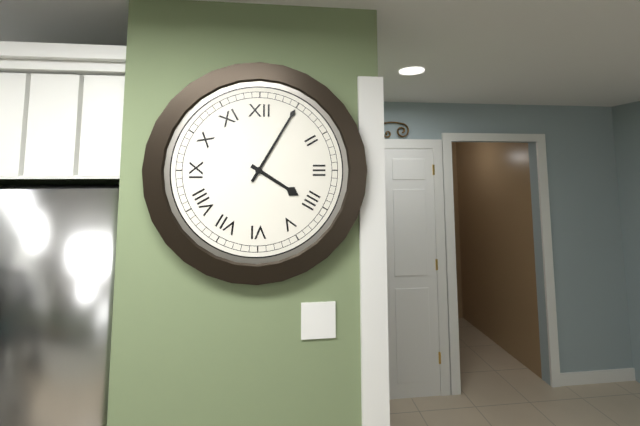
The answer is 4h05
